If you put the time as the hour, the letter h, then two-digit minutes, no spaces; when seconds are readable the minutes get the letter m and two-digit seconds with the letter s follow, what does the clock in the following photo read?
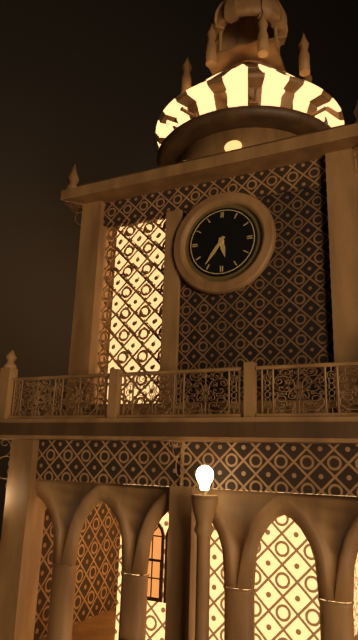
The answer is 5h36
